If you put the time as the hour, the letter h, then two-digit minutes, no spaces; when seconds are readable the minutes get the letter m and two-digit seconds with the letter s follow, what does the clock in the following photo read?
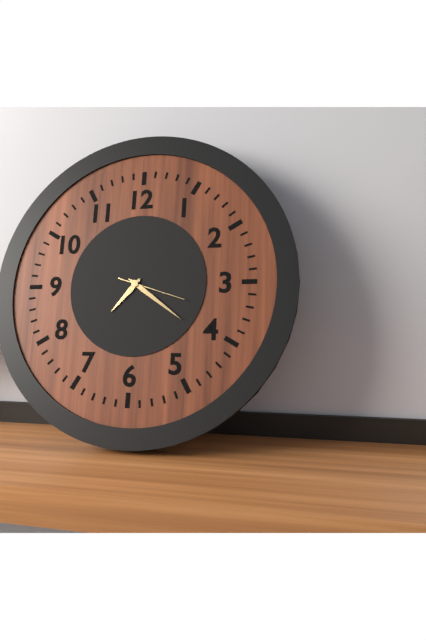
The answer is 7h21m18s
